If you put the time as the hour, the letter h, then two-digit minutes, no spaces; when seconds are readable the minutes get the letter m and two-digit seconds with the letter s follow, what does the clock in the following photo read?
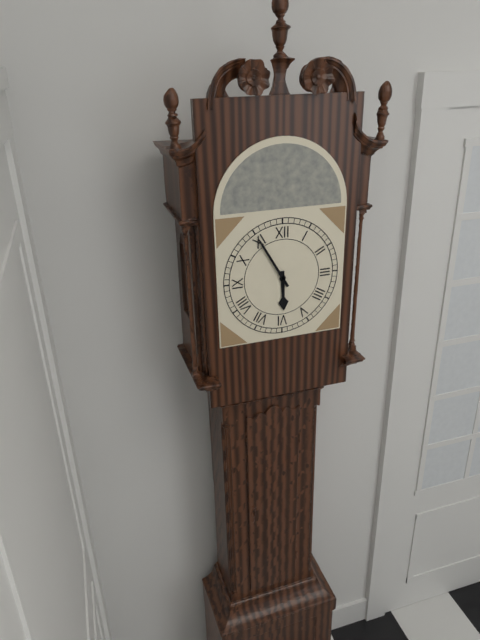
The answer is 5h55
